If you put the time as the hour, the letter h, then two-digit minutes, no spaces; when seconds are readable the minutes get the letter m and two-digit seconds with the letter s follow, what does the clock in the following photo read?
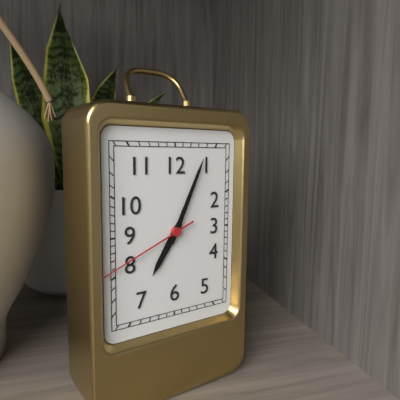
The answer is 7h04m41s
